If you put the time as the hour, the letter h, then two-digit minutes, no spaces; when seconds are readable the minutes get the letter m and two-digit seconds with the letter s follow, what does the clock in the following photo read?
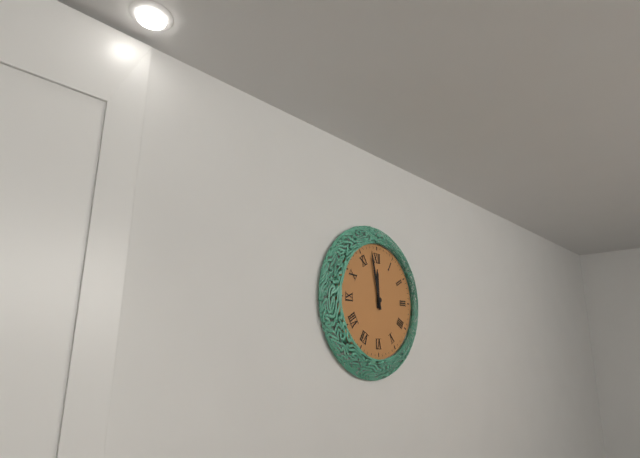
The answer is 11h58
